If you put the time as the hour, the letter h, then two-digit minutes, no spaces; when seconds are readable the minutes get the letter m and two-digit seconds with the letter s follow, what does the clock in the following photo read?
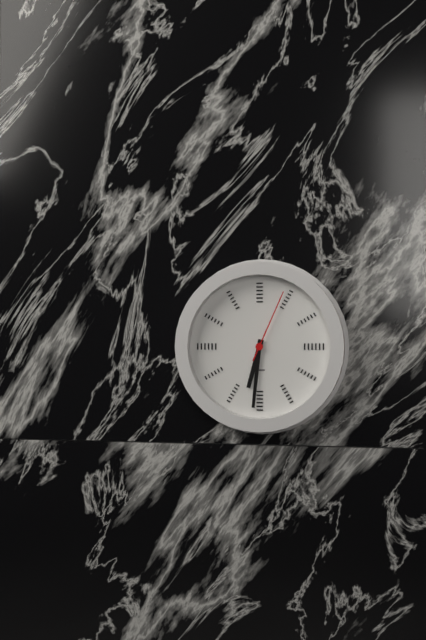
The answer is 6h31m04s
